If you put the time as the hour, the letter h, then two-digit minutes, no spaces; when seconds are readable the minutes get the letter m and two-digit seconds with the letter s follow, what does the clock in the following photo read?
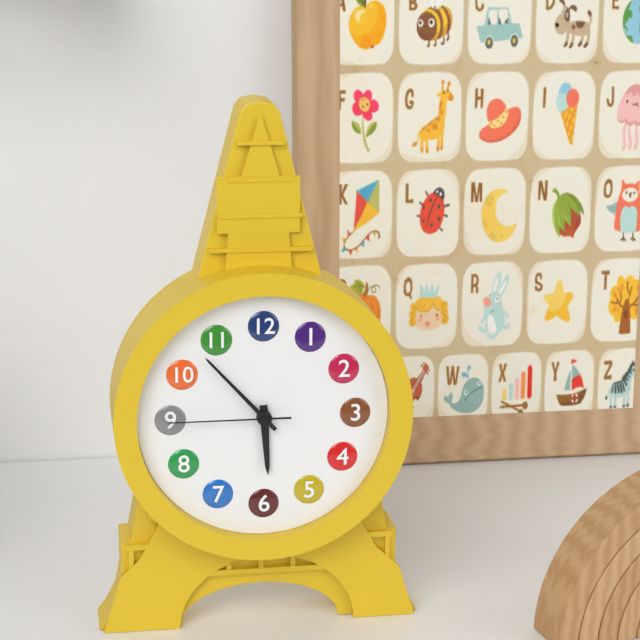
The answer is 5h53m45s
